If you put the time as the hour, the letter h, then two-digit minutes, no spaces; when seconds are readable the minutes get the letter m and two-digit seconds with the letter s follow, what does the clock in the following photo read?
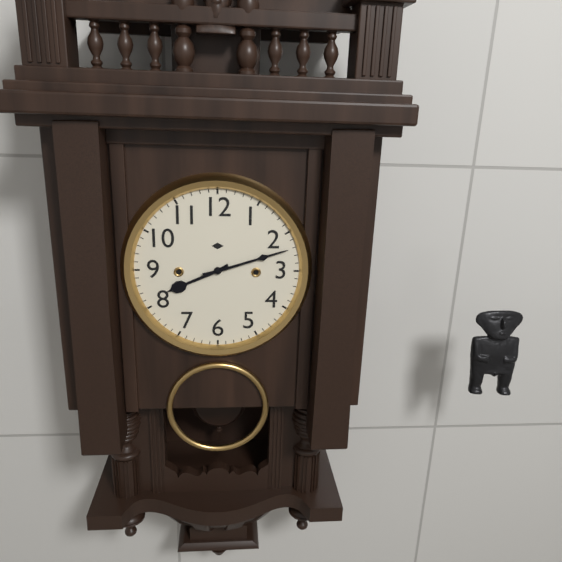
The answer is 8h12
